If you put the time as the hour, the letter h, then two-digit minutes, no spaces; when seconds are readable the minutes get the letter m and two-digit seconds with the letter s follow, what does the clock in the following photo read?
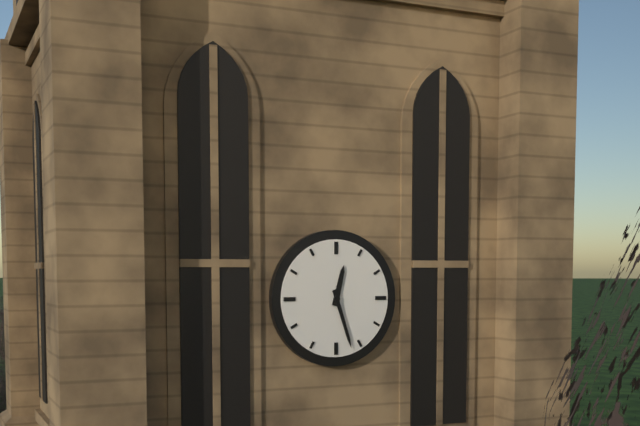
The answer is 12h27
